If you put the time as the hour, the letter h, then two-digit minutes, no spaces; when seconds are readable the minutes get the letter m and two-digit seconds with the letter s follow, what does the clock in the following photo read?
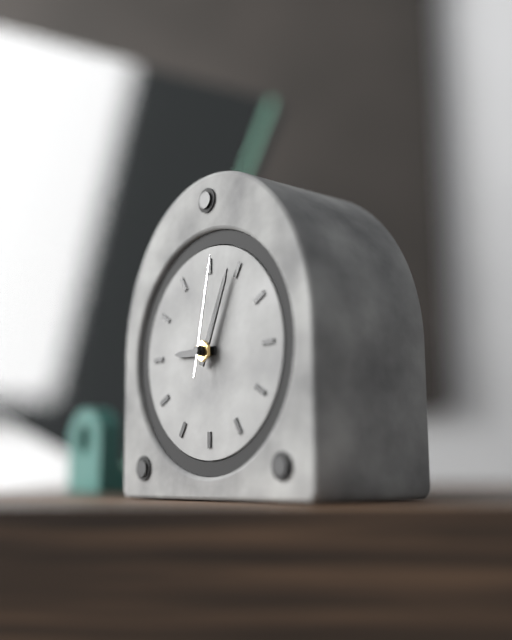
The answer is 9h04m02s
